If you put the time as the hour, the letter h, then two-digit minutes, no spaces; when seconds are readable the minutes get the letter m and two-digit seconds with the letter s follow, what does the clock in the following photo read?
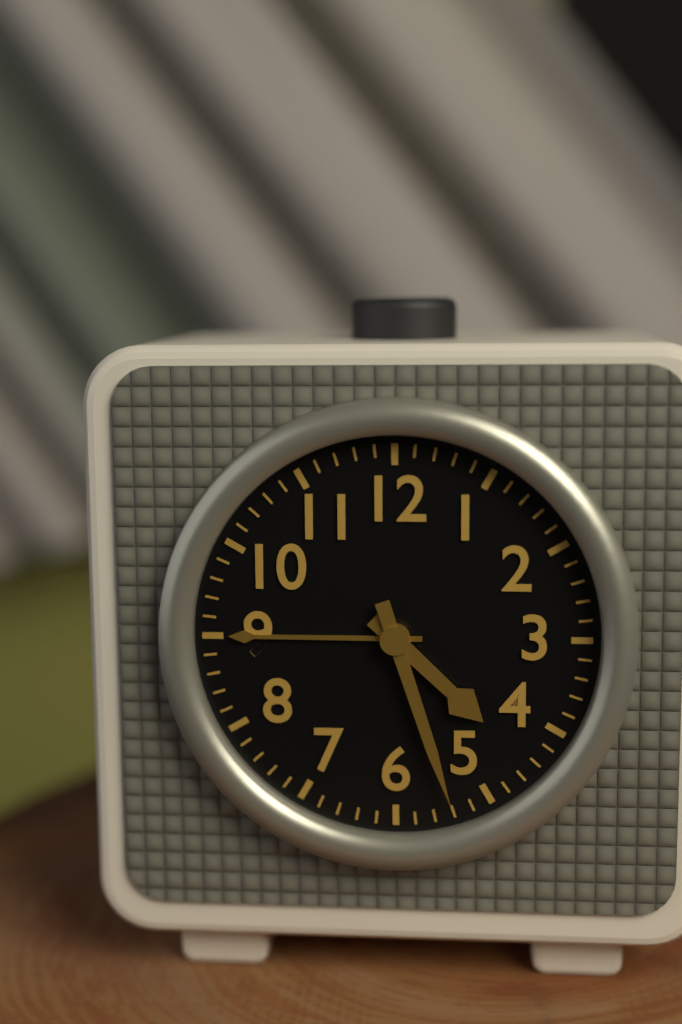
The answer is 4h27
